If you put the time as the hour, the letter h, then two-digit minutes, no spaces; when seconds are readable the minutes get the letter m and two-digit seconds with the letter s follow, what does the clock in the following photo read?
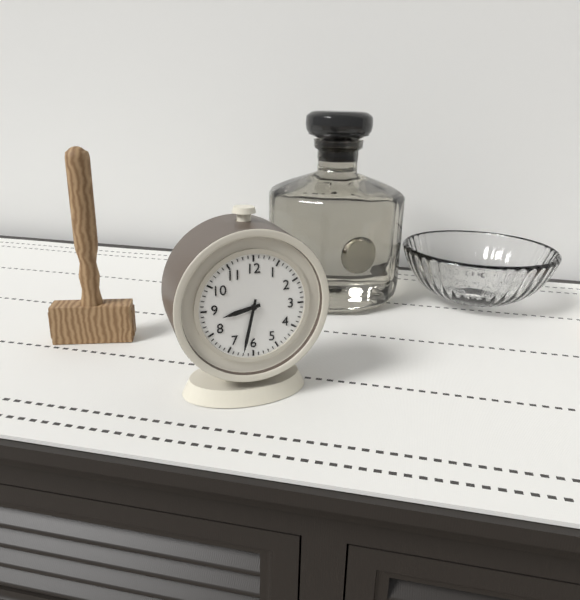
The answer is 8h32
